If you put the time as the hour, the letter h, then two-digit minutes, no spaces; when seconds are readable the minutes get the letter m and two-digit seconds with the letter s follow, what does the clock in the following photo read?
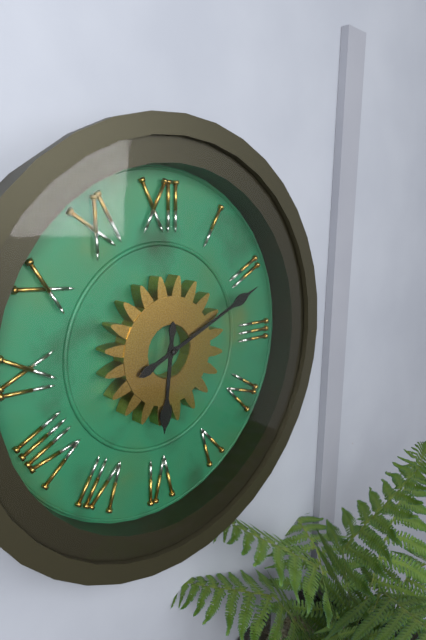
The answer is 6h11
